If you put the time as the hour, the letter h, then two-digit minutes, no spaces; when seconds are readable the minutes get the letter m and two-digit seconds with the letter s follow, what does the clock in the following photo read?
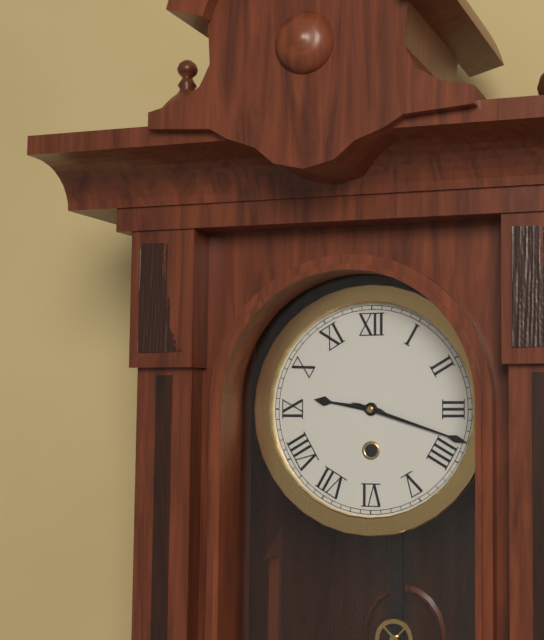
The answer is 9h18
